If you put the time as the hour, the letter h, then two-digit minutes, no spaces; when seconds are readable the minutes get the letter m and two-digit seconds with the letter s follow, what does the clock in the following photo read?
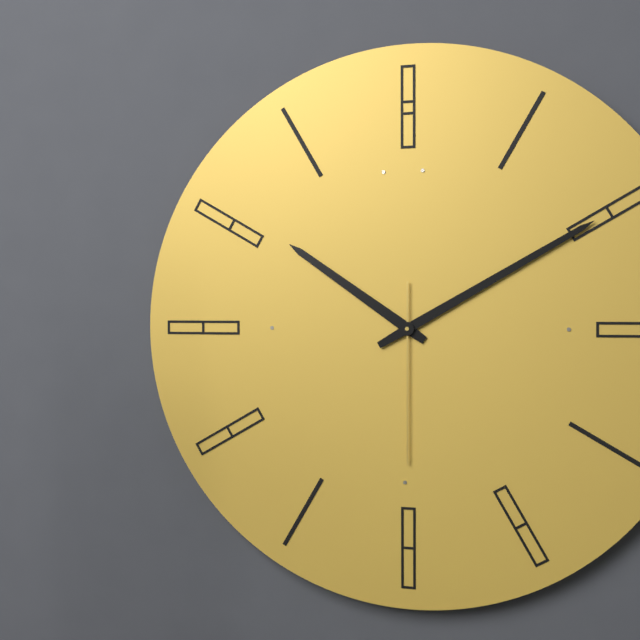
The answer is 10h10m30s
